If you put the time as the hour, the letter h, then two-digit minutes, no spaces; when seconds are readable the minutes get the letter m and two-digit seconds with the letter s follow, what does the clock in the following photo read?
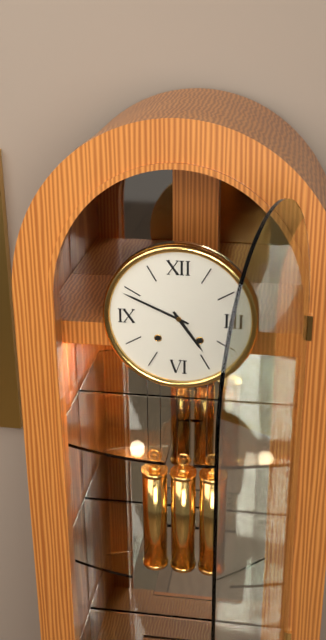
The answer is 4h49
